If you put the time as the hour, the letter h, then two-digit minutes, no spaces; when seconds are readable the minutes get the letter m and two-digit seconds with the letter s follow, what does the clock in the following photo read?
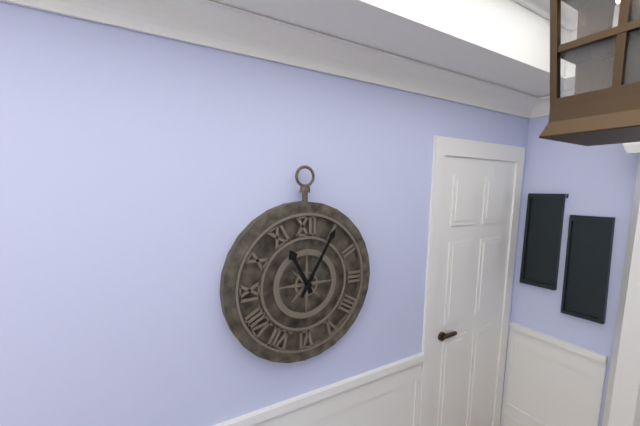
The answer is 11h05
